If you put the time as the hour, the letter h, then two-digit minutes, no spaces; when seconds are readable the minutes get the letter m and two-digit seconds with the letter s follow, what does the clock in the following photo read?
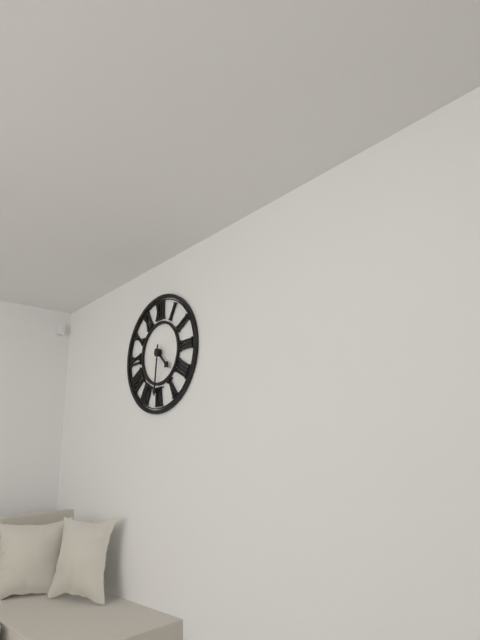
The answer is 4h31
